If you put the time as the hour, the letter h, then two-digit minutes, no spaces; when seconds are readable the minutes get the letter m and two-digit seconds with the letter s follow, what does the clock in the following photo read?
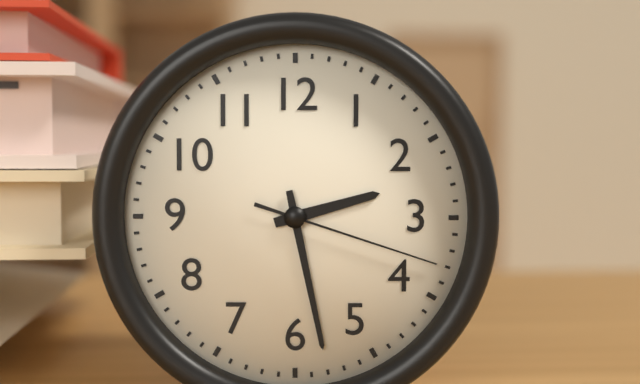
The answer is 2h28m18s
